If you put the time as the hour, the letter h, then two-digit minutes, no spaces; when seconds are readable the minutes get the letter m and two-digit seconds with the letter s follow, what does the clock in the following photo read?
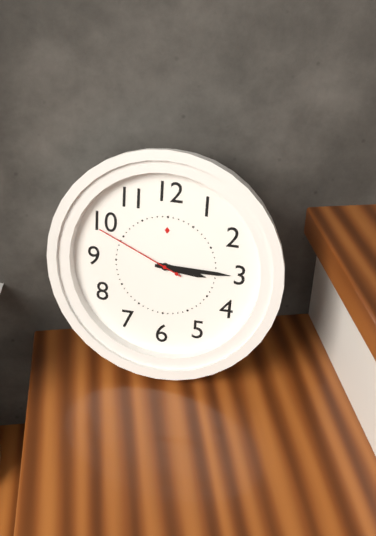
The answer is 3h15m49s
